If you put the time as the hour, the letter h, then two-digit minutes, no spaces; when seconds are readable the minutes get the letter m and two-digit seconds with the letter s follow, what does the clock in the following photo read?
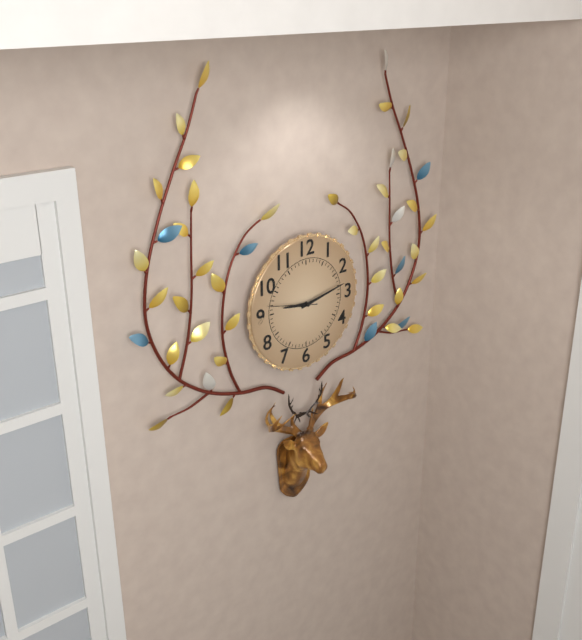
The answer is 9h13m47s
